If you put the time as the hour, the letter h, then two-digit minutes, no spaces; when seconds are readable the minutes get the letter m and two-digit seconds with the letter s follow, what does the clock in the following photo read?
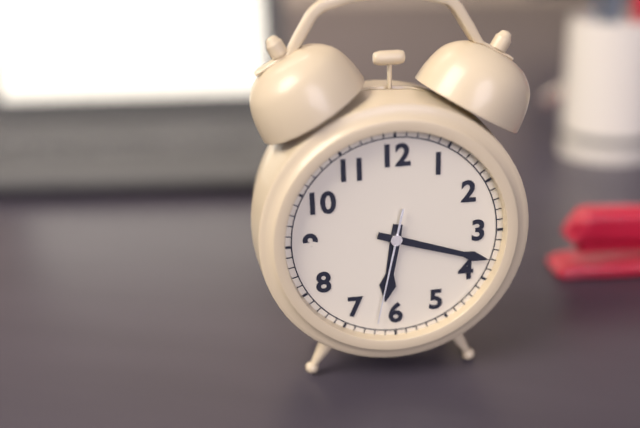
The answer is 6h18m32s
